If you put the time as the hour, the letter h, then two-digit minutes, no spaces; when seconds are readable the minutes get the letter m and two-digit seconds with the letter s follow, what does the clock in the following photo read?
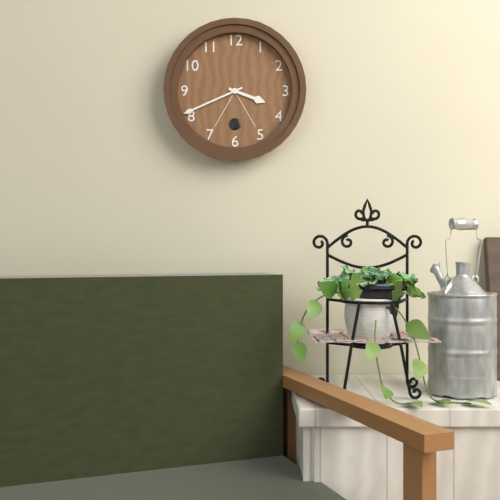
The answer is 3h41
